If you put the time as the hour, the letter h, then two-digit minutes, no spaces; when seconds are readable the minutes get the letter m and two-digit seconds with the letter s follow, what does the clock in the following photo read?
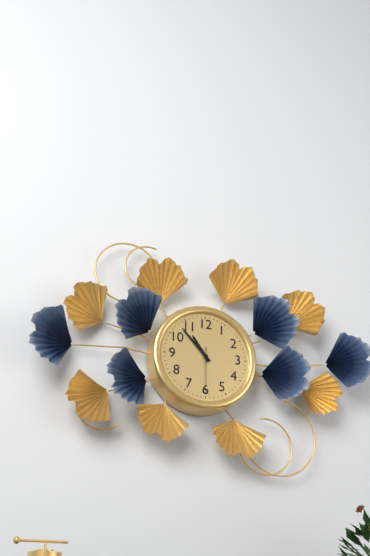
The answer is 10h53
